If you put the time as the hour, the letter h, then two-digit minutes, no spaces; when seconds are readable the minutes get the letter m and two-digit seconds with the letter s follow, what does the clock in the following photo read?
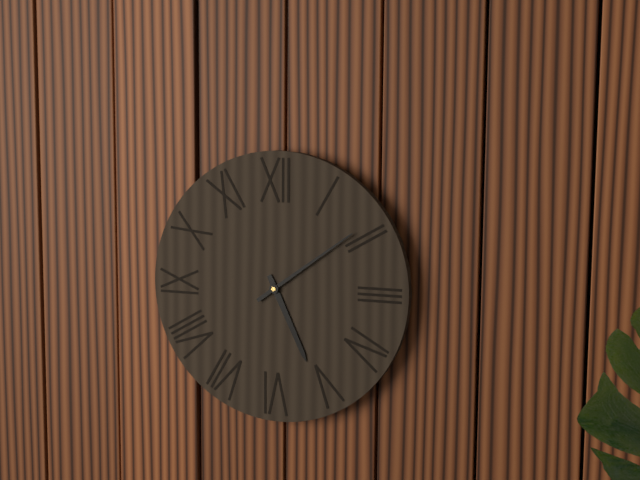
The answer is 5h09
